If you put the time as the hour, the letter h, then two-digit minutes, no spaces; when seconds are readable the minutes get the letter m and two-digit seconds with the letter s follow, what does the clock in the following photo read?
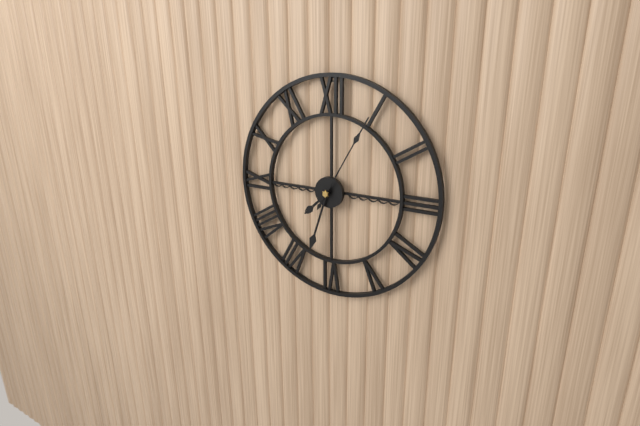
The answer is 7h33m05s
